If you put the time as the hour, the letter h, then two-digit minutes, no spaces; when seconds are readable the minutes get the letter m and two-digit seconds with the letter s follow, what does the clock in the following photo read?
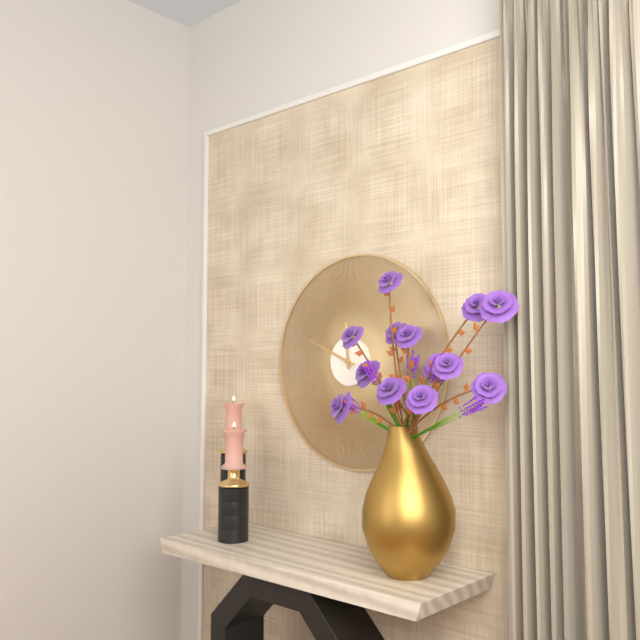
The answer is 11h49
